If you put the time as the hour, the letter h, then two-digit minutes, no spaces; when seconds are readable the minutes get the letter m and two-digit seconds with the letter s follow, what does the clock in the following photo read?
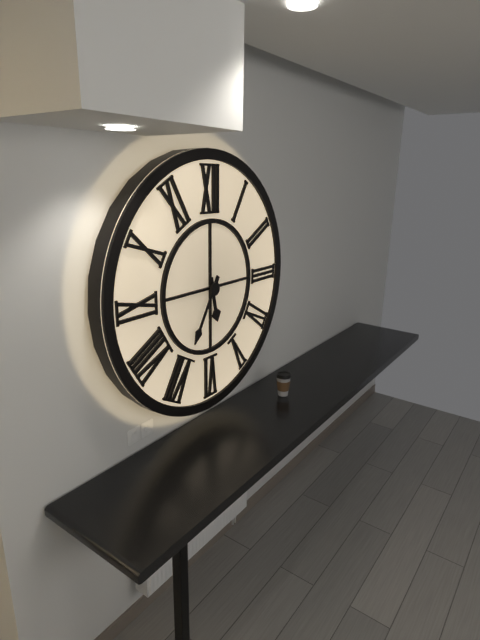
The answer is 5h35
